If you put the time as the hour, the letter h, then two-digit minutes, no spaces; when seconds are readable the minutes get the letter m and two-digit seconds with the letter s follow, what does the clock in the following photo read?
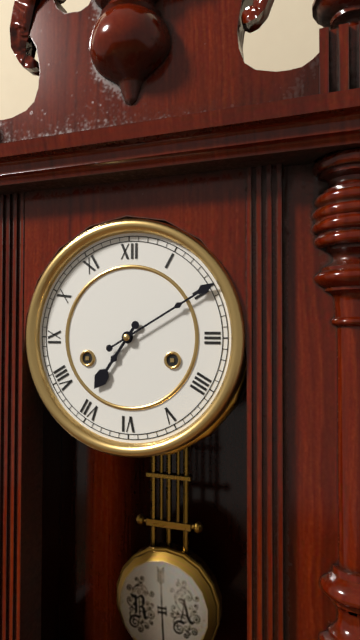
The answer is 7h10
